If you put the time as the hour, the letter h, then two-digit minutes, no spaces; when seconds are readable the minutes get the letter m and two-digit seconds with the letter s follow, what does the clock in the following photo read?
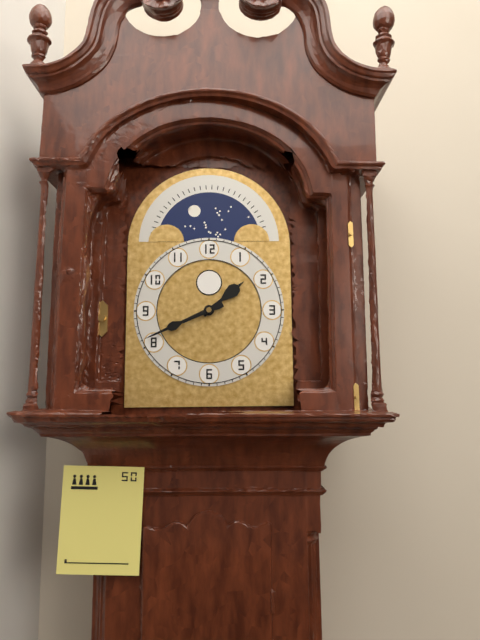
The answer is 1h41
